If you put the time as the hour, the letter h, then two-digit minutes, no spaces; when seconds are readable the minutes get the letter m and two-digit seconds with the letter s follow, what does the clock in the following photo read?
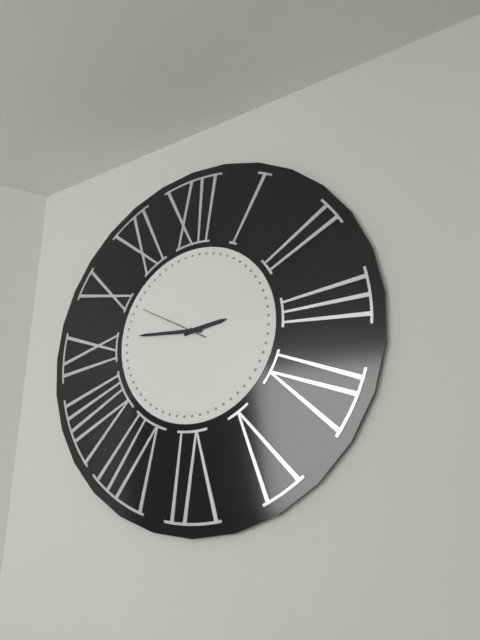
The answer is 2h46m50s
